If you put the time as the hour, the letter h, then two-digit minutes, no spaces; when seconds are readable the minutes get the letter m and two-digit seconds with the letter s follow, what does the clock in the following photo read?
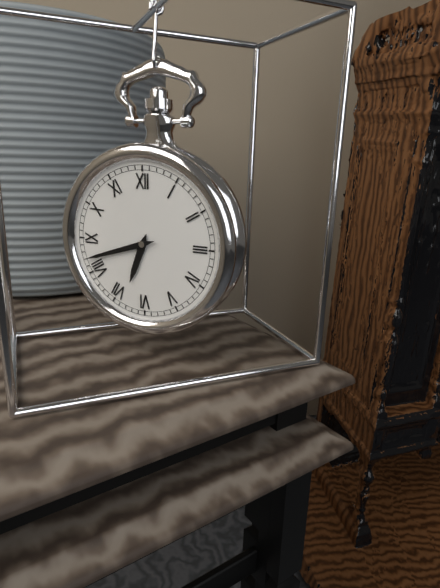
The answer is 6h42
